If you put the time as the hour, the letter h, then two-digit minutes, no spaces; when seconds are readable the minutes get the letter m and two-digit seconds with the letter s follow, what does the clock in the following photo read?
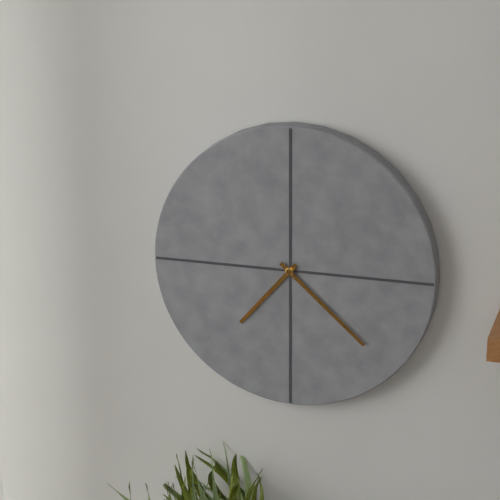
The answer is 7h22
